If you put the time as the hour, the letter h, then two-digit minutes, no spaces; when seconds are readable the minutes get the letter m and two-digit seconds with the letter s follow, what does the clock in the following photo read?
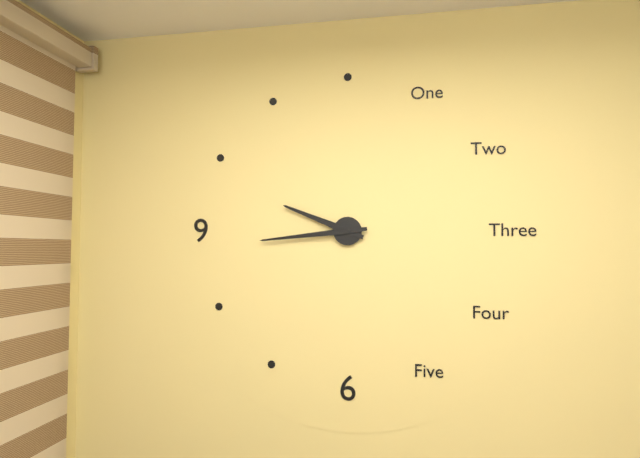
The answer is 9h44
